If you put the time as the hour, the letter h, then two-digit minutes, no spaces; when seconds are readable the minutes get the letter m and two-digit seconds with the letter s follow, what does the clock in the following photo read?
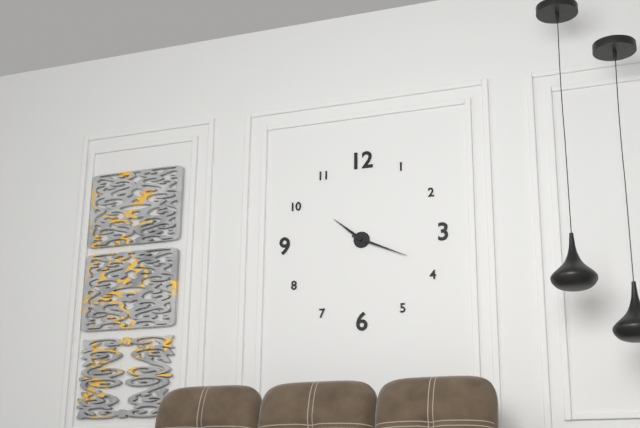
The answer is 10h19
